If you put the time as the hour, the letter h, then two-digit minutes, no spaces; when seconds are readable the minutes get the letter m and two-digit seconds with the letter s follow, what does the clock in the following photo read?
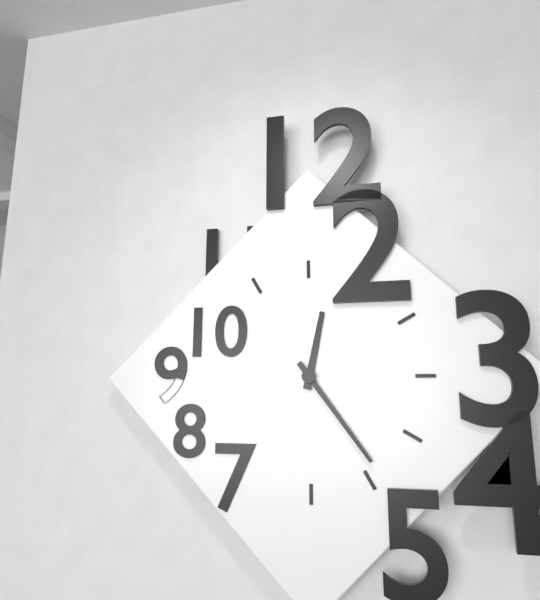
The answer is 12h24
